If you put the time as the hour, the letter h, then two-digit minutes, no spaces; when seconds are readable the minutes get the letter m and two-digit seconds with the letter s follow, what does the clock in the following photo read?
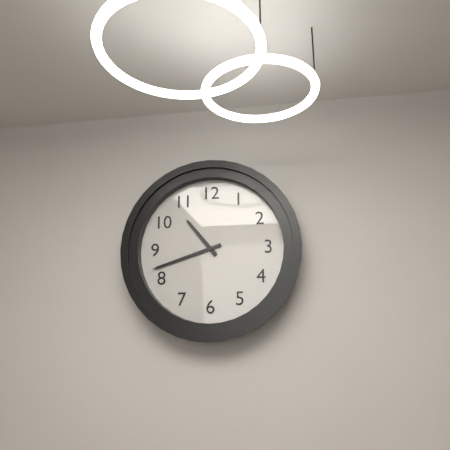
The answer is 10h42
